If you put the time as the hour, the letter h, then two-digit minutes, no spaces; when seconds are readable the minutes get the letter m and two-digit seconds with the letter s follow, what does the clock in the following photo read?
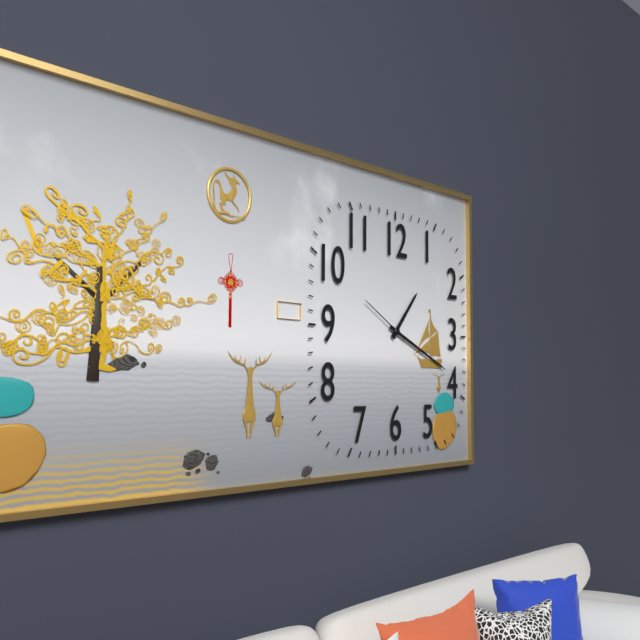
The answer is 1h19m50s
